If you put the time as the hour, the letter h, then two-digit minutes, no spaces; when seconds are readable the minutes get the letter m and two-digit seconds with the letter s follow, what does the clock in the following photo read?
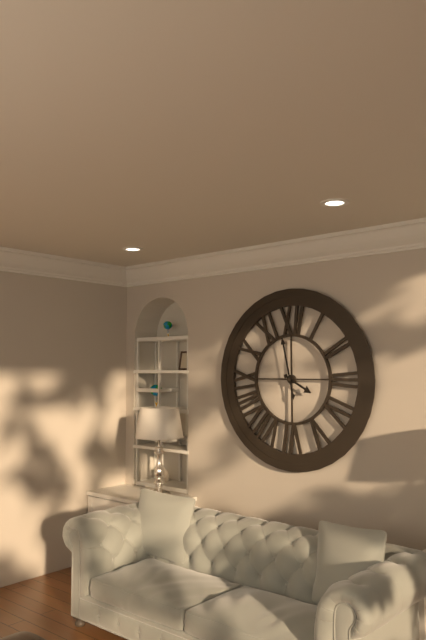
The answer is 3h58
